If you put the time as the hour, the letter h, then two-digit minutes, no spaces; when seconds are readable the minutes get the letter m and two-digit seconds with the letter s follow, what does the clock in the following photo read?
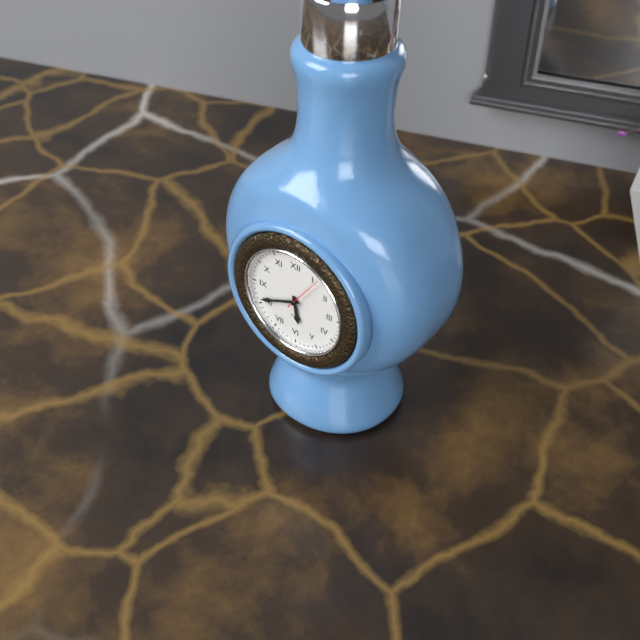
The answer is 5h41
